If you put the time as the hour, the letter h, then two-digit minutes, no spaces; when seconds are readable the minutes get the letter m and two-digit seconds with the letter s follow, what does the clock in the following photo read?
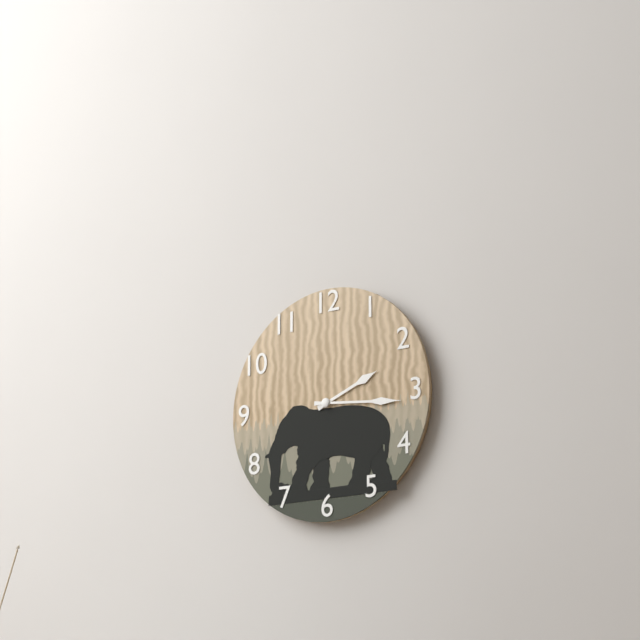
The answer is 2h16
